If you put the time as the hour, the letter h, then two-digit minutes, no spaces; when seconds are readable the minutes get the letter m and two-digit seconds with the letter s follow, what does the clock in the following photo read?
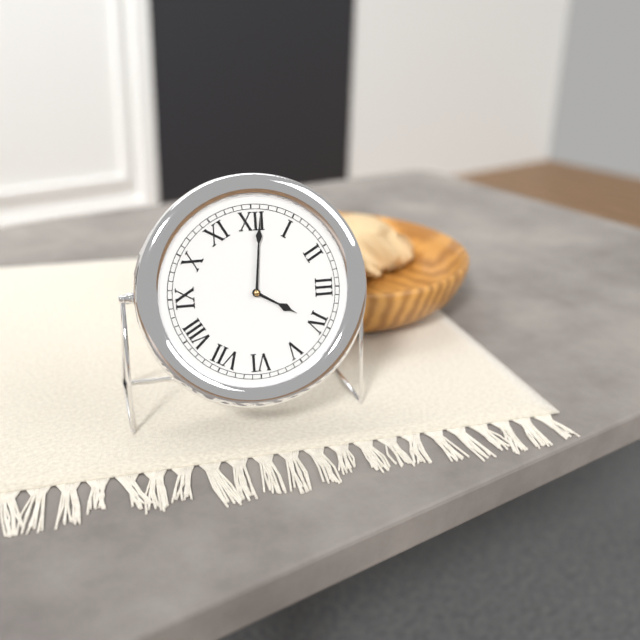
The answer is 4h01
